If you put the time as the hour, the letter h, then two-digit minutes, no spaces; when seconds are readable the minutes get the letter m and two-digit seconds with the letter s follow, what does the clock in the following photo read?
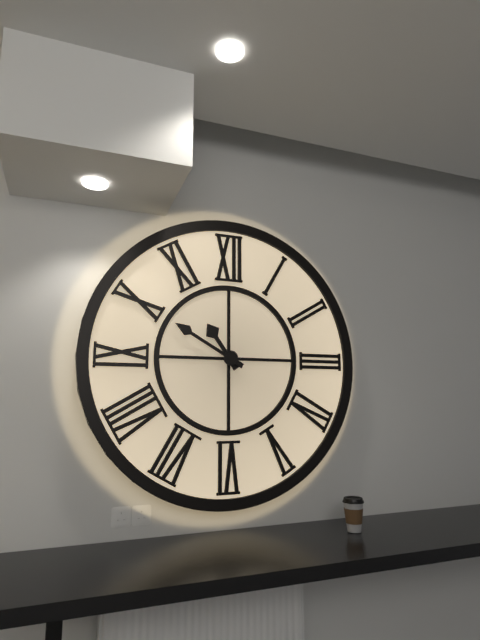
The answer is 10h50
